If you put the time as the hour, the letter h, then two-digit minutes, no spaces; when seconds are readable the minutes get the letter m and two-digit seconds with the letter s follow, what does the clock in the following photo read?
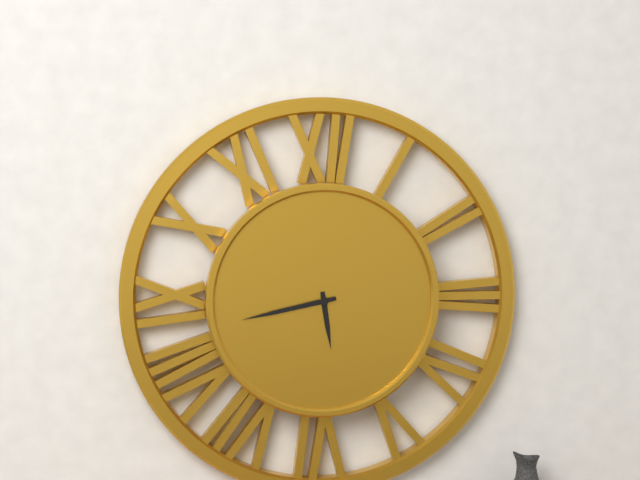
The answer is 5h43
